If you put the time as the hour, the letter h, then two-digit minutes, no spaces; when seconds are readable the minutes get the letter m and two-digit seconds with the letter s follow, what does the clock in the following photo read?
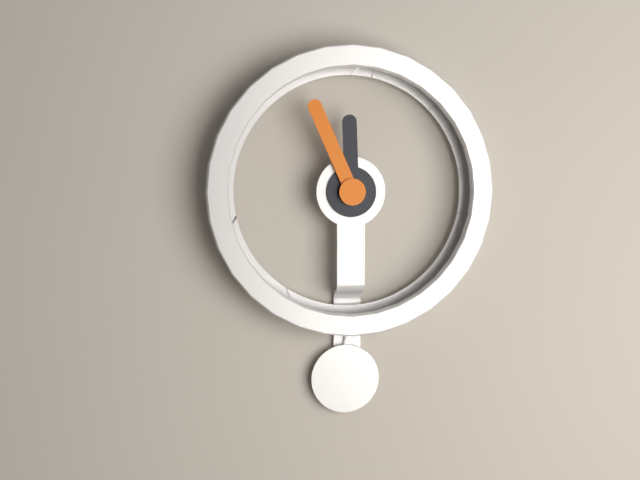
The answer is 11h56
